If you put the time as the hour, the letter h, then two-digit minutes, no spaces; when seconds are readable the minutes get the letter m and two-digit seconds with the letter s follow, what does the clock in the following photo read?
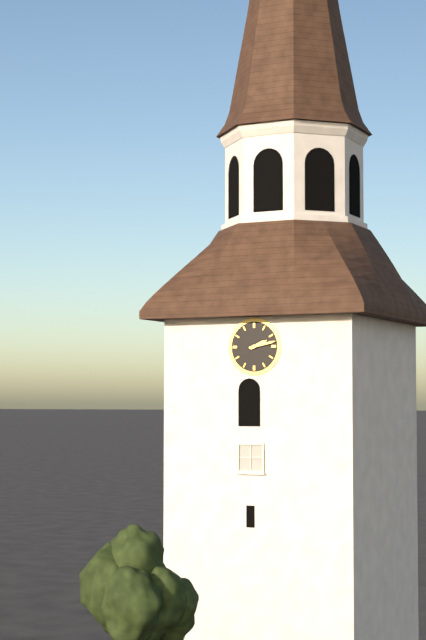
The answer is 2h13
